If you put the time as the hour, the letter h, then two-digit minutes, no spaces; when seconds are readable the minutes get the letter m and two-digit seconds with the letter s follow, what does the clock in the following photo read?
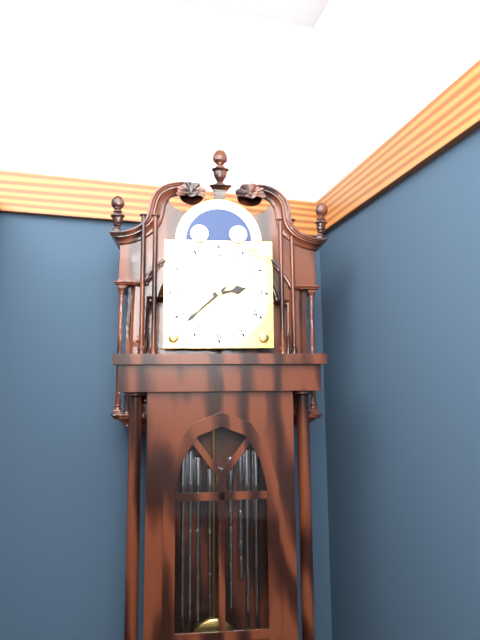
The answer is 2h38
